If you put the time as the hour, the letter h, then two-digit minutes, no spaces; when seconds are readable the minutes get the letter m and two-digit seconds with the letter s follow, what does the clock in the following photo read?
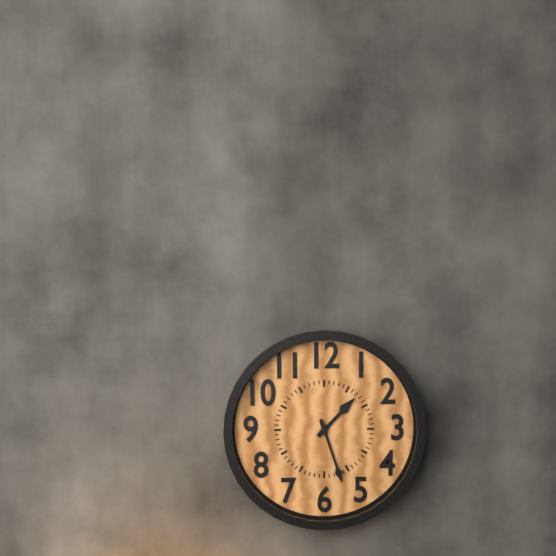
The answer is 1h27
